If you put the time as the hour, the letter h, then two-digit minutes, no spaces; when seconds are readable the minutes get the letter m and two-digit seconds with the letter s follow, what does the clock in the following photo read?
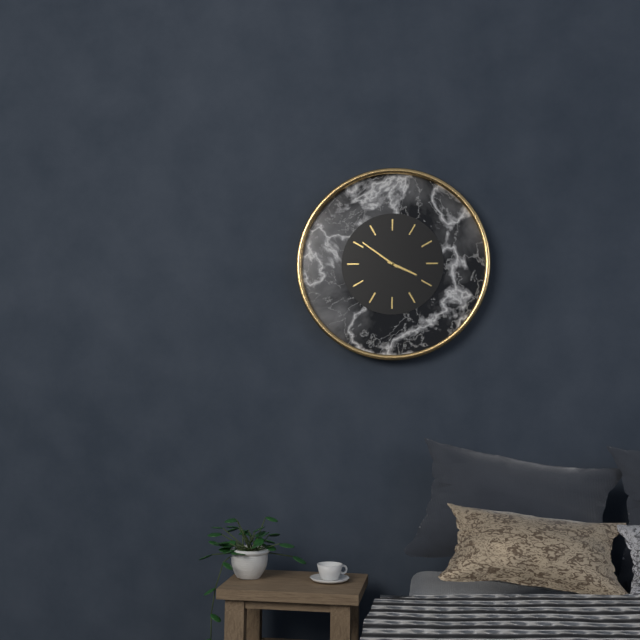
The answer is 3h51
